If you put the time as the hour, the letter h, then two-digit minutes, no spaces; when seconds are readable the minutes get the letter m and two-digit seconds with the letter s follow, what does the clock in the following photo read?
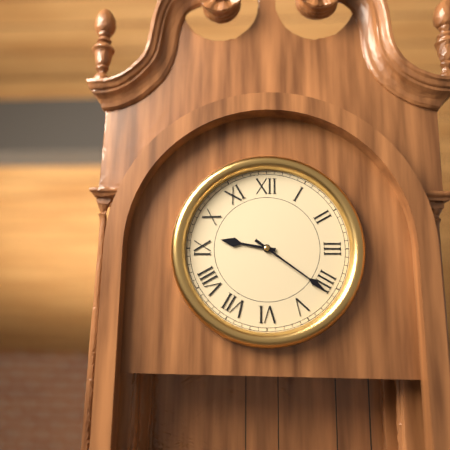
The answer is 9h21
